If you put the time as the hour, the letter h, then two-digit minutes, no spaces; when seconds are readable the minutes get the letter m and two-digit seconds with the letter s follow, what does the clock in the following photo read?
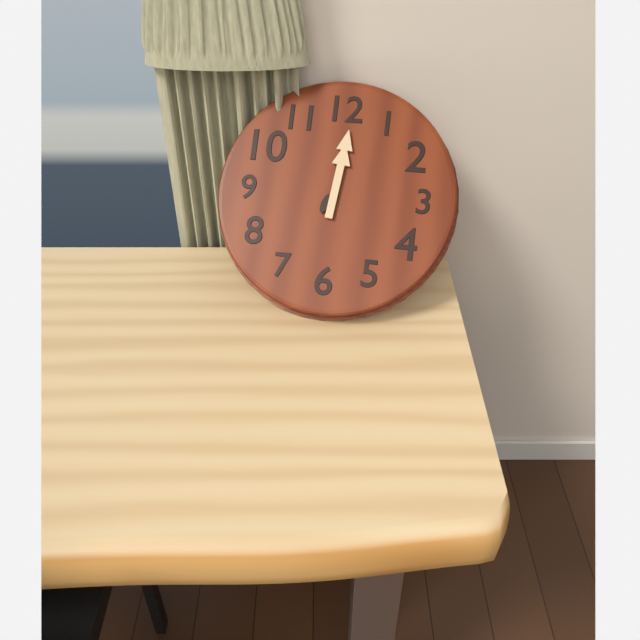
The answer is 7h01
